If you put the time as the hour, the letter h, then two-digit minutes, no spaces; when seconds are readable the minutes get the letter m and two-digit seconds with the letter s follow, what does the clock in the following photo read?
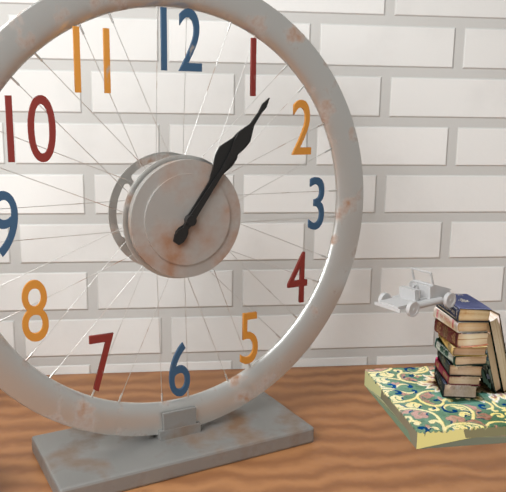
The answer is 1h06
